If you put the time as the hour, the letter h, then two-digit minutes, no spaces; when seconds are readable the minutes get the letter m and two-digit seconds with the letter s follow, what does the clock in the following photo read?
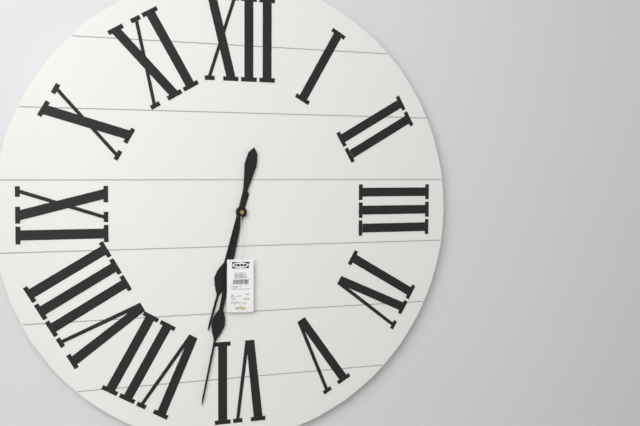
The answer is 6h32
